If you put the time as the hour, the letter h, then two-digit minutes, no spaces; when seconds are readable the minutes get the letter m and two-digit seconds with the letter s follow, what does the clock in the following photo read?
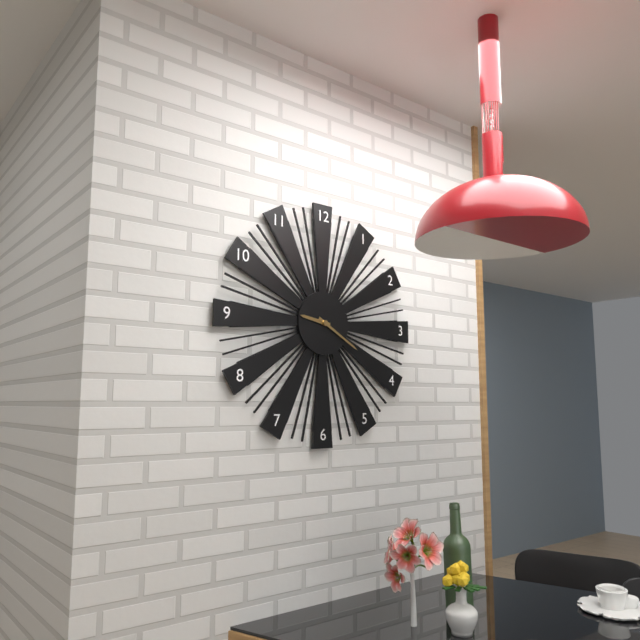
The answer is 9h20
